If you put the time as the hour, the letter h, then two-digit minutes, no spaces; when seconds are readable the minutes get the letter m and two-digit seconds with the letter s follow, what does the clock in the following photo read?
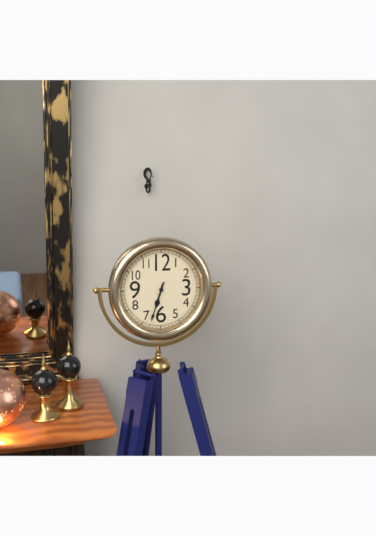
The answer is 6h33
